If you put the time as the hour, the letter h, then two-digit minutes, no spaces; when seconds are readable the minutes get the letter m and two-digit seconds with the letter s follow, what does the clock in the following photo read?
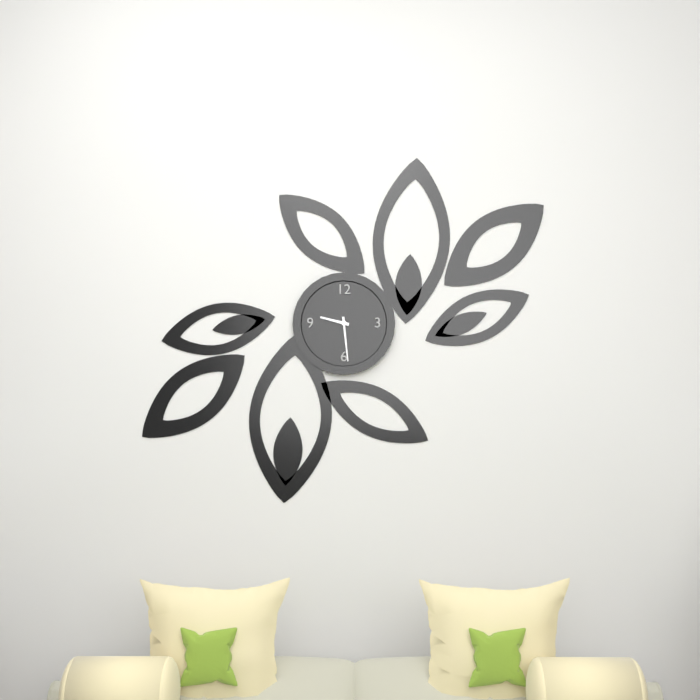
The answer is 9h29
